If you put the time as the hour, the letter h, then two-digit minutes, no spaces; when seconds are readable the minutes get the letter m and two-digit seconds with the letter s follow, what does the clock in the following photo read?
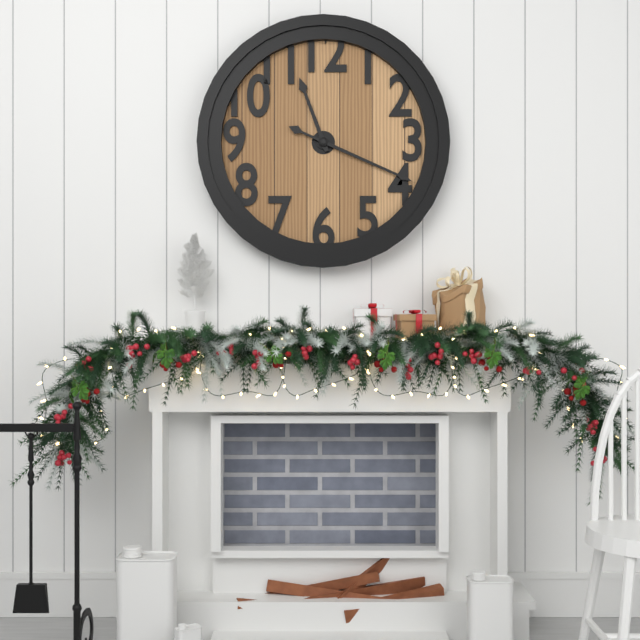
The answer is 11h19
